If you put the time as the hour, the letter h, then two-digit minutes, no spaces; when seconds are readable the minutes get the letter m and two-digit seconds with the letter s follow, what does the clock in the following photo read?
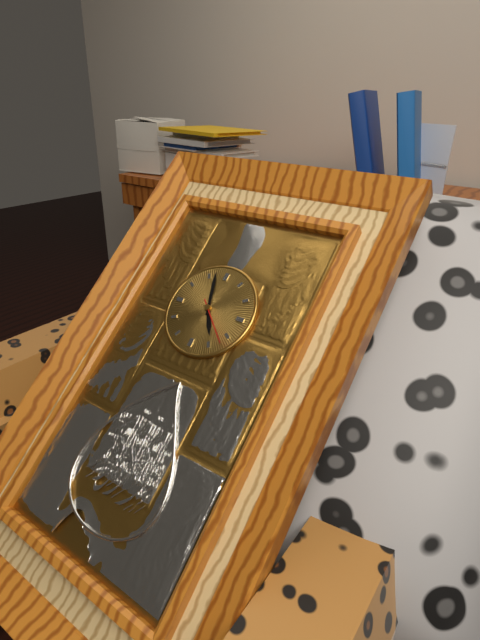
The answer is 4h57
